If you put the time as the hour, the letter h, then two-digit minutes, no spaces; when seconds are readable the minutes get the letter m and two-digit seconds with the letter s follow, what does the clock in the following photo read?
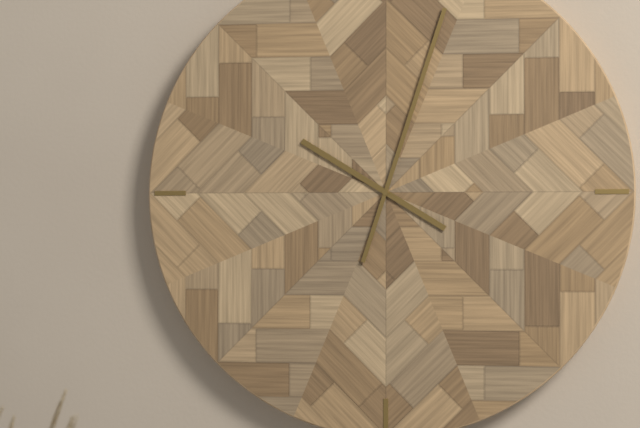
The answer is 10h03
